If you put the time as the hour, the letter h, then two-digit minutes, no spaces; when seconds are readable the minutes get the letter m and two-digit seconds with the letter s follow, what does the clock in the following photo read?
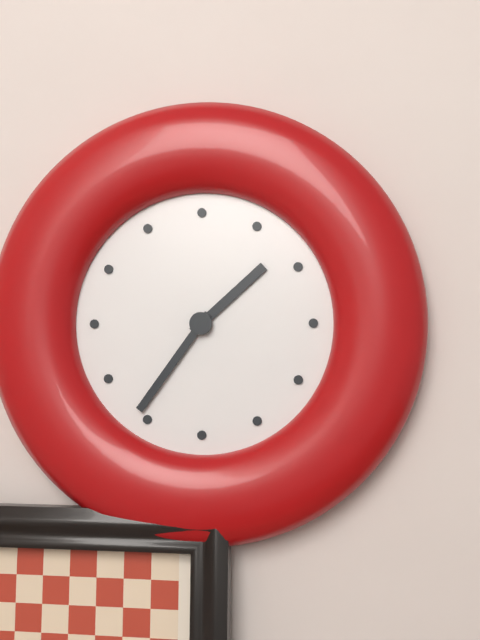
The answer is 1h36
